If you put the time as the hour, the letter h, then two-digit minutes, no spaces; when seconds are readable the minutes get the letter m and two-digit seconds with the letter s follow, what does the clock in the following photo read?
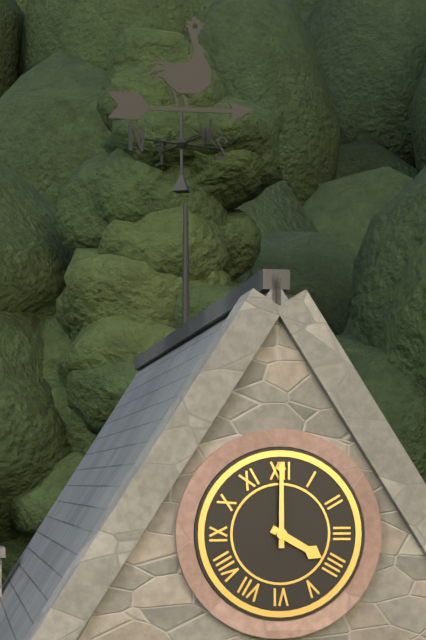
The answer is 4h00
